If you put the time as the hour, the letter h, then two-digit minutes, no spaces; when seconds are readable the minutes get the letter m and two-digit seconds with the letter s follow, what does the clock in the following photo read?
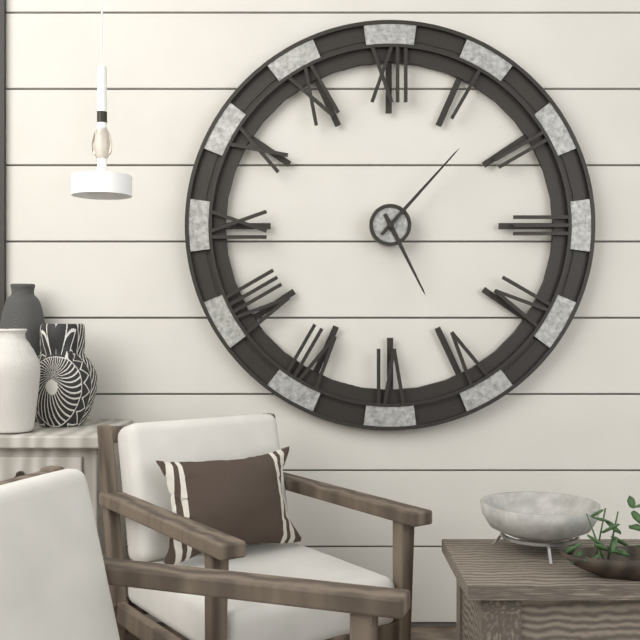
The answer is 5h07
